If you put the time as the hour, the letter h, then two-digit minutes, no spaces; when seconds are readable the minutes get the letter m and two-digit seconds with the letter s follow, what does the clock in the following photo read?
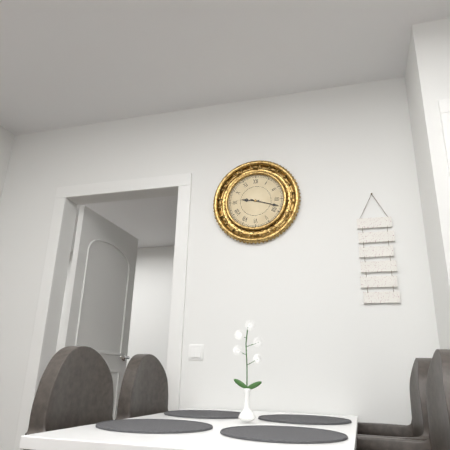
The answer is 9h18
